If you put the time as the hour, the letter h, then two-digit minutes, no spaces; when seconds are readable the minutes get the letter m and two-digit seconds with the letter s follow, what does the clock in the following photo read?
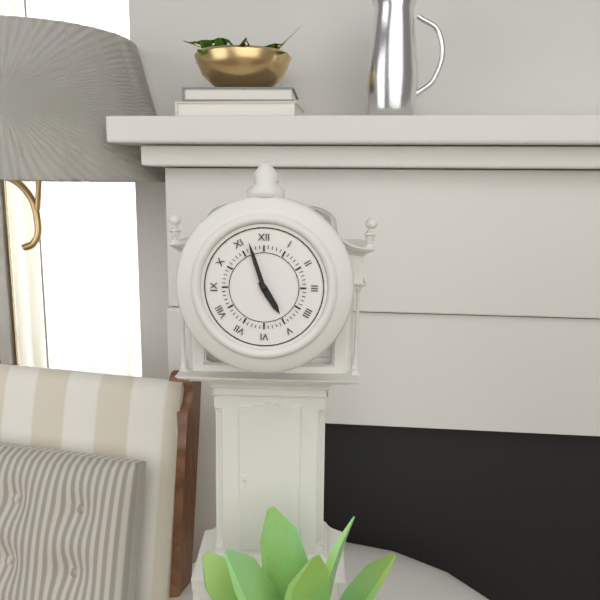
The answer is 4h57
